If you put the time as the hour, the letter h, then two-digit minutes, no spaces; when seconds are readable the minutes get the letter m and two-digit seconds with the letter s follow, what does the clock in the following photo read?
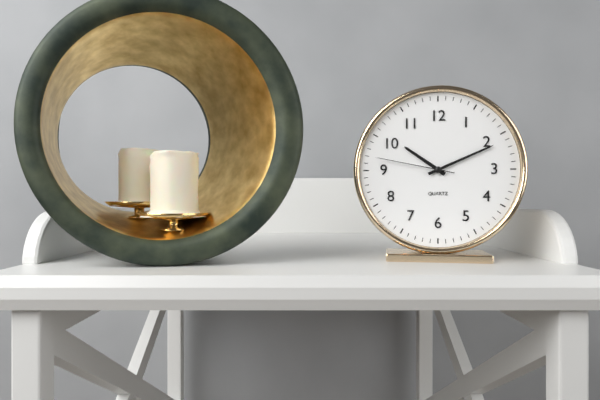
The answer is 10h11m47s
